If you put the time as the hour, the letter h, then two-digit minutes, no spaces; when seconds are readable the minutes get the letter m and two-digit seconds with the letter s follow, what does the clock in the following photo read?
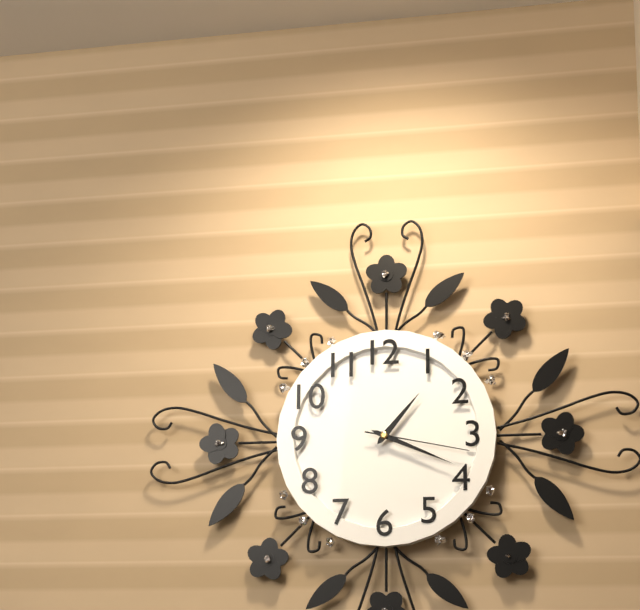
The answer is 1h19m17s
